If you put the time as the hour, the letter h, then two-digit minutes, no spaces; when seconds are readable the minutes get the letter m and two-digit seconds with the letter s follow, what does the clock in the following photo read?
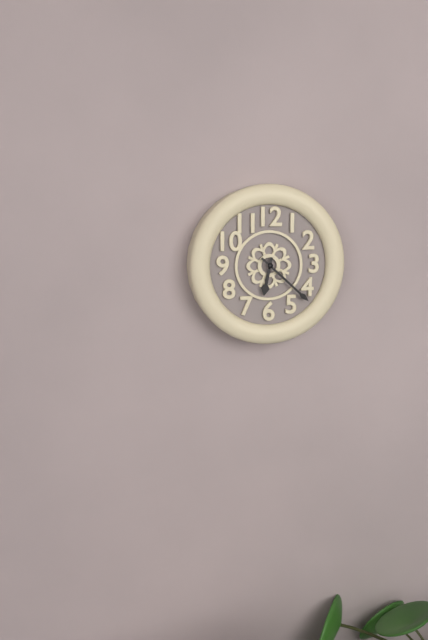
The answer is 6h22
